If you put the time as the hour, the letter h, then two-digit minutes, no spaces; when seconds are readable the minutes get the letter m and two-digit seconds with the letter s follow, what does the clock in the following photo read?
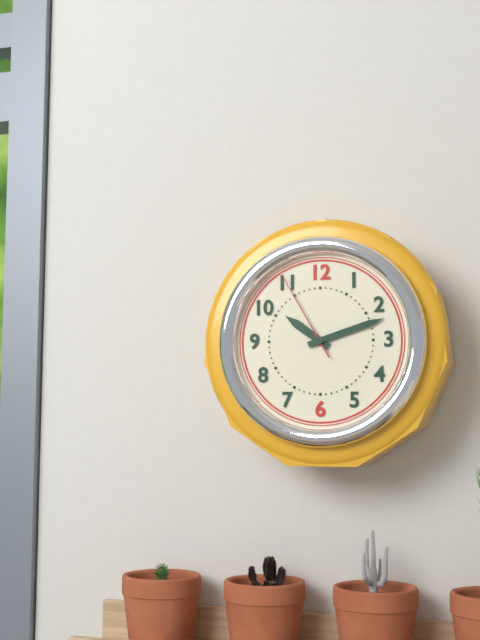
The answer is 10h12m55s
